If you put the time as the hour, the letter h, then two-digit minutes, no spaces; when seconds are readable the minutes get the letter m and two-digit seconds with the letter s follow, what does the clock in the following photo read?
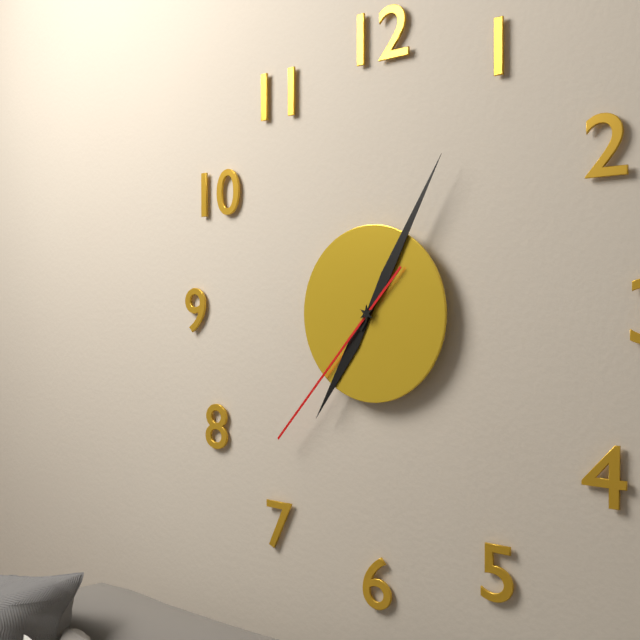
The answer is 7h05m37s
